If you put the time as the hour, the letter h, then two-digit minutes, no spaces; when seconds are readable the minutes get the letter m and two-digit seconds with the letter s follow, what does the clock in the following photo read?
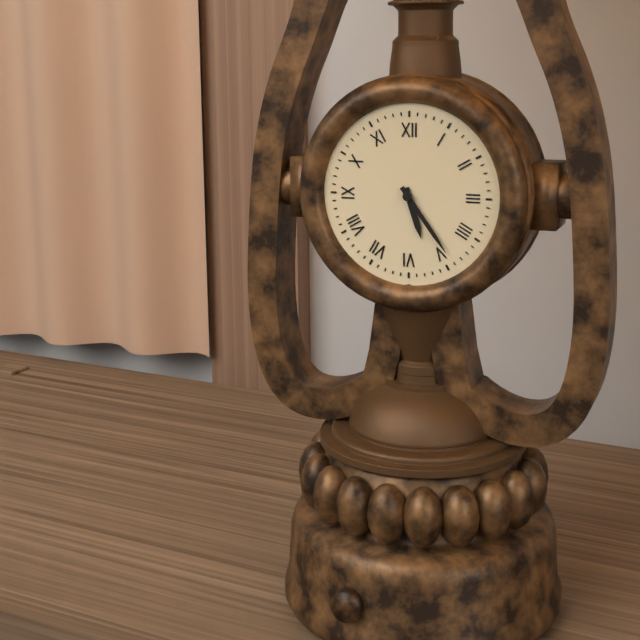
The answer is 5h24
